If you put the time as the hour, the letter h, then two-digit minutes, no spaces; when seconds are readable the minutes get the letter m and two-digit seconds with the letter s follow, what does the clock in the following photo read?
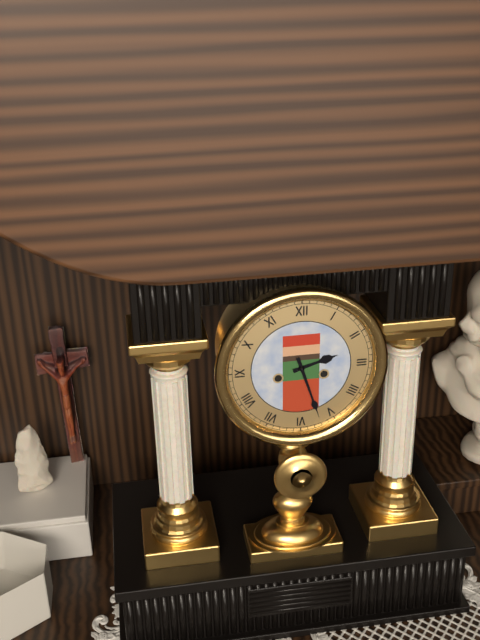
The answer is 2h27
